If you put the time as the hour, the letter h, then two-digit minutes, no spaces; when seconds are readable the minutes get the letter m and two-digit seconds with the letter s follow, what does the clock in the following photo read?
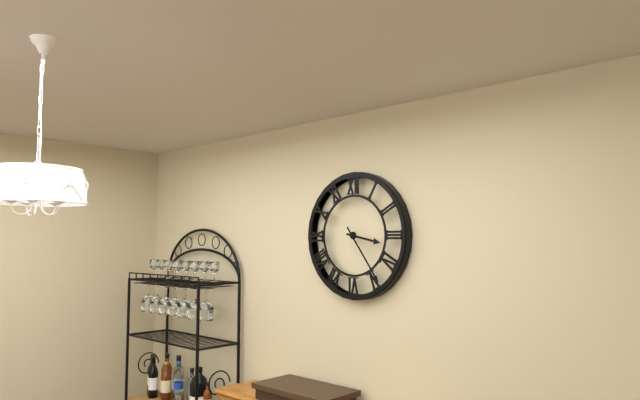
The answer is 3h24
